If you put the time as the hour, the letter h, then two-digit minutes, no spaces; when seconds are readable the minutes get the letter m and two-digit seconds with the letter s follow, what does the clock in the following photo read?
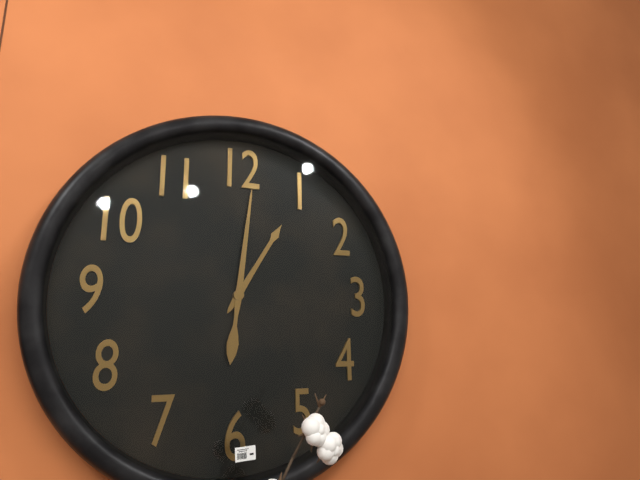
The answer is 1h01
